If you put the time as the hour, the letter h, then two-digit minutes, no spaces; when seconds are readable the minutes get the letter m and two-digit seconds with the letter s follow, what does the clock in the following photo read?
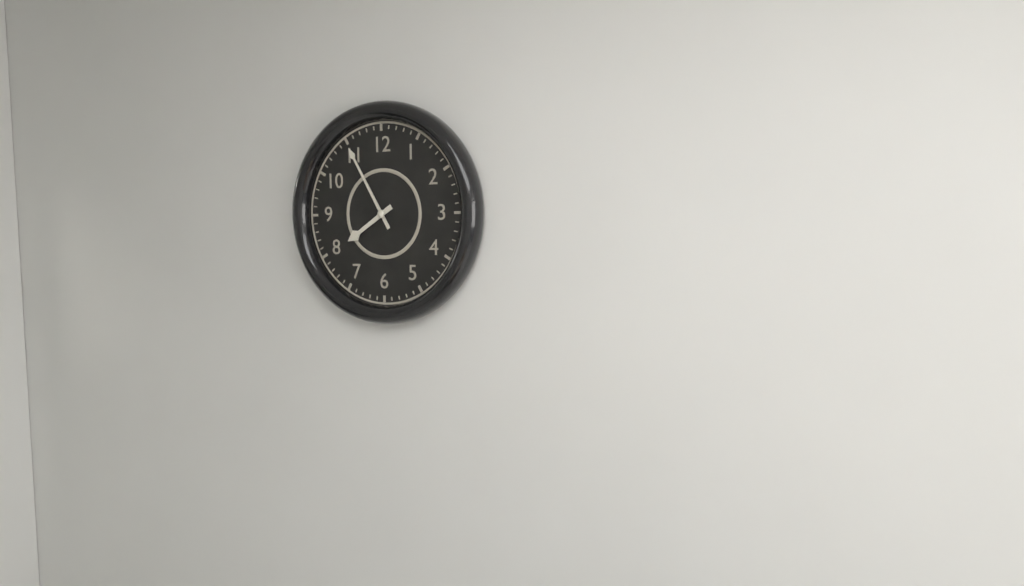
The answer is 7h55
